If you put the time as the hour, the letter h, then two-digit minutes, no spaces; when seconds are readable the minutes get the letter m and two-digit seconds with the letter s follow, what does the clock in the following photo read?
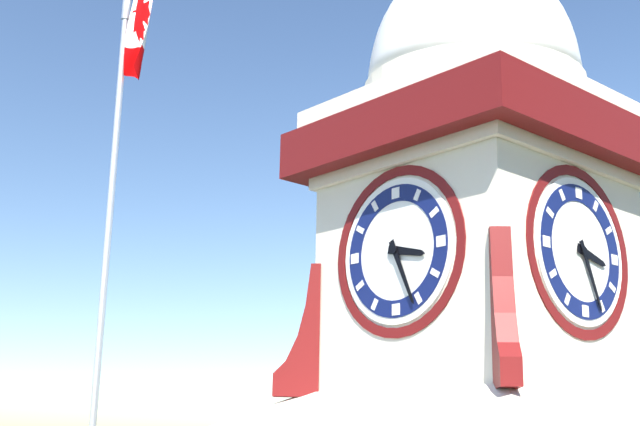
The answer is 3h26
